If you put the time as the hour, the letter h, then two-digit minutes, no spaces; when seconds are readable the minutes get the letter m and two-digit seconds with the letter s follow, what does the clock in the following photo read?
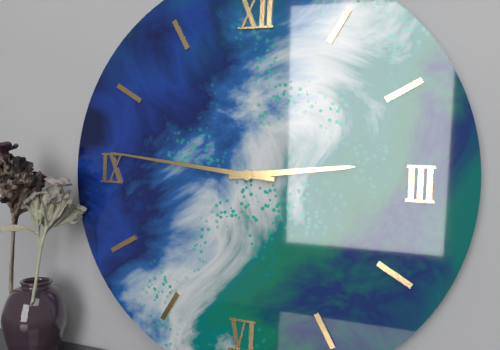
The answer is 2h46
